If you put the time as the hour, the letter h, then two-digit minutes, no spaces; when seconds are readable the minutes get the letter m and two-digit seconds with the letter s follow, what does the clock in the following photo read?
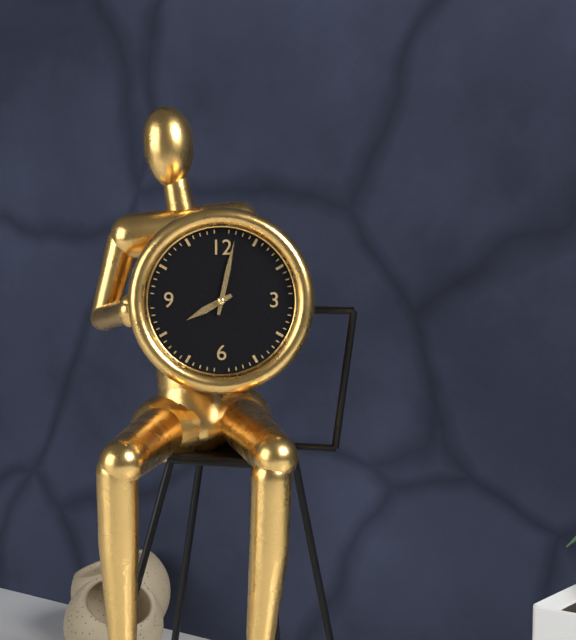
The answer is 8h02
